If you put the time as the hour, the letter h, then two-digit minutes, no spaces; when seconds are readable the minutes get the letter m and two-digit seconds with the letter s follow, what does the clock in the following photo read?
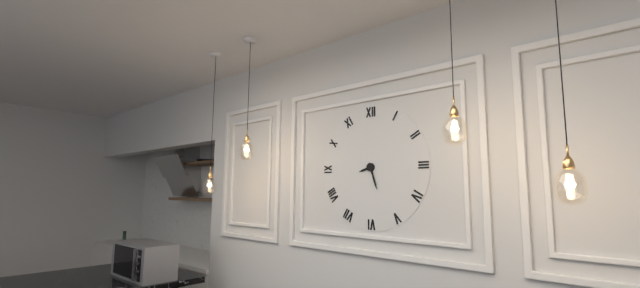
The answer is 8h27
